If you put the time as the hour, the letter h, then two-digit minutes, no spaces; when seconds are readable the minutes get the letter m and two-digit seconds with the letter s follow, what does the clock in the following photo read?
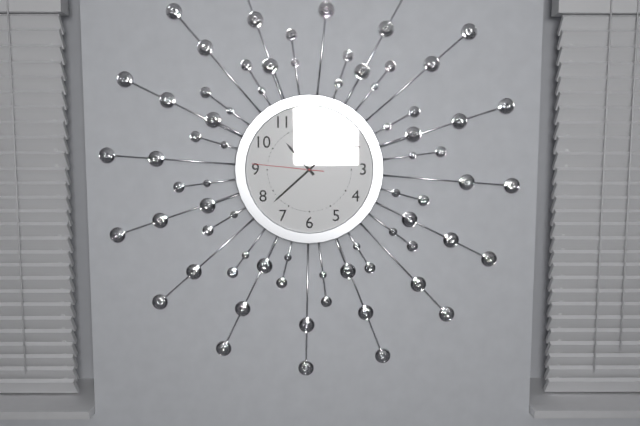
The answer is 10h38m46s
